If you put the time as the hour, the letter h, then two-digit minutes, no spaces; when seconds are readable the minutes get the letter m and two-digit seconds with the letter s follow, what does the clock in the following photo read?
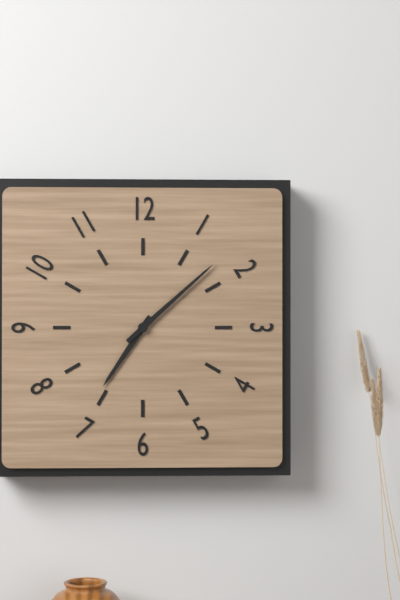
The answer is 7h08
